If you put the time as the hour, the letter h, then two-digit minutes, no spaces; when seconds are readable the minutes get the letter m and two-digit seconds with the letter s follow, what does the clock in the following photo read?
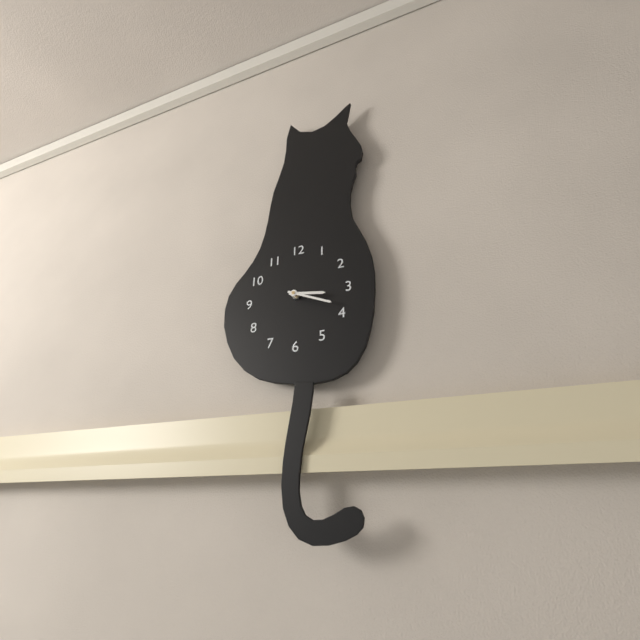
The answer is 3h19
